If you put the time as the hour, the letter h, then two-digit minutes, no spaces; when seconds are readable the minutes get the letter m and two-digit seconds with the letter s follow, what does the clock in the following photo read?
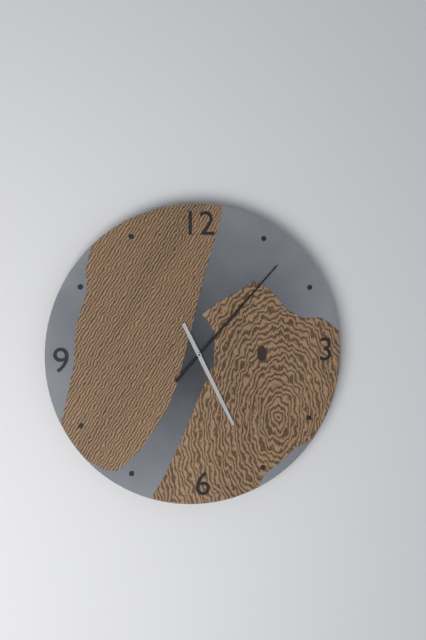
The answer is 5h07
